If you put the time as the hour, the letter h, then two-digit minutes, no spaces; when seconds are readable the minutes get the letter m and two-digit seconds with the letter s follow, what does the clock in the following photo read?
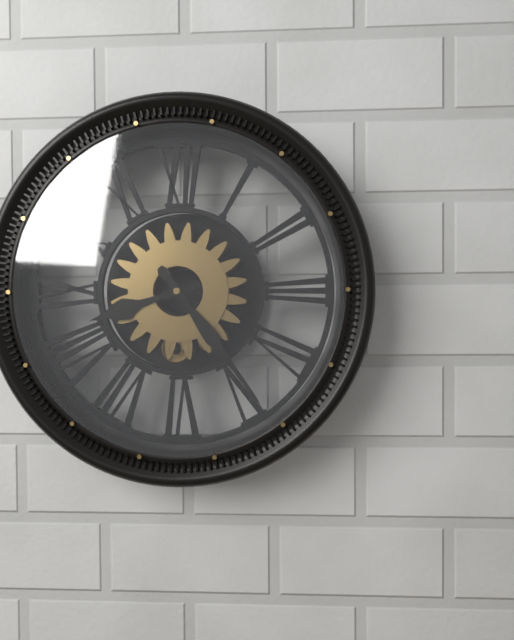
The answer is 8h24
